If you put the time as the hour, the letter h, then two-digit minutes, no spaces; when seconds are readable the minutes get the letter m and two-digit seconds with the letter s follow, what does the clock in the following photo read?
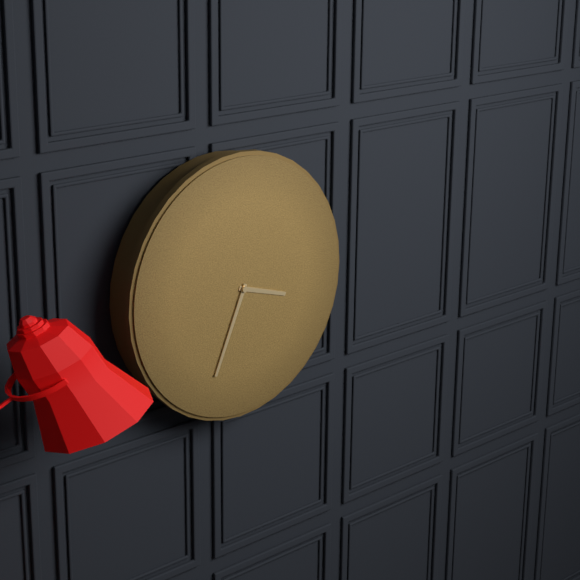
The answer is 3h34
